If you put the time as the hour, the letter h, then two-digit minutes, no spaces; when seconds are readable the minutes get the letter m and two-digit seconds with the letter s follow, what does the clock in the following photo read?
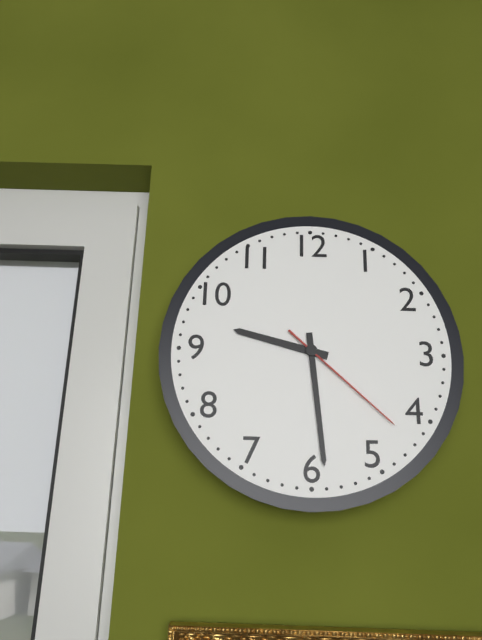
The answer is 9h29m22s
